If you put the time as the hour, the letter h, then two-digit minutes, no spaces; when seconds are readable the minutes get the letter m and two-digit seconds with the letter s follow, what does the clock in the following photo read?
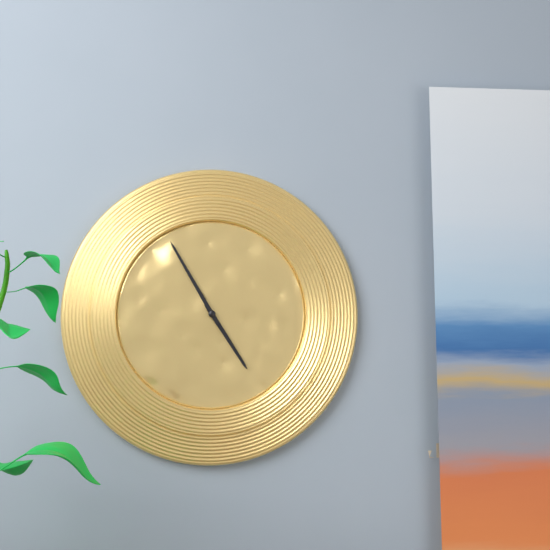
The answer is 4h55
